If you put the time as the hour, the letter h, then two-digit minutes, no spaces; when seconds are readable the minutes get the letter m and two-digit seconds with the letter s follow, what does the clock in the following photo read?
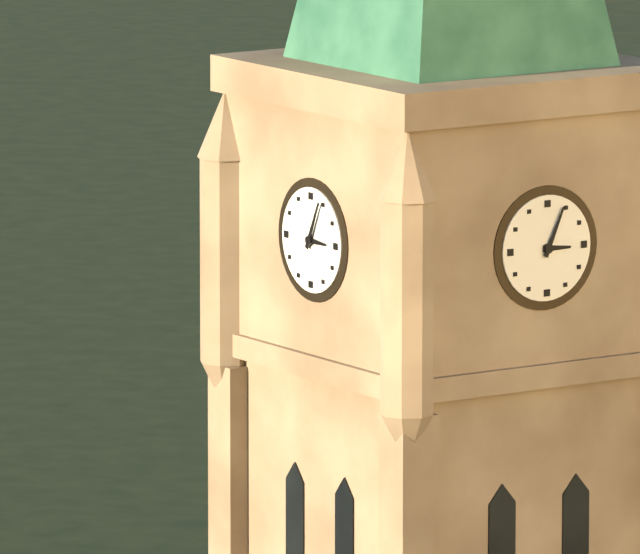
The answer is 3h04
